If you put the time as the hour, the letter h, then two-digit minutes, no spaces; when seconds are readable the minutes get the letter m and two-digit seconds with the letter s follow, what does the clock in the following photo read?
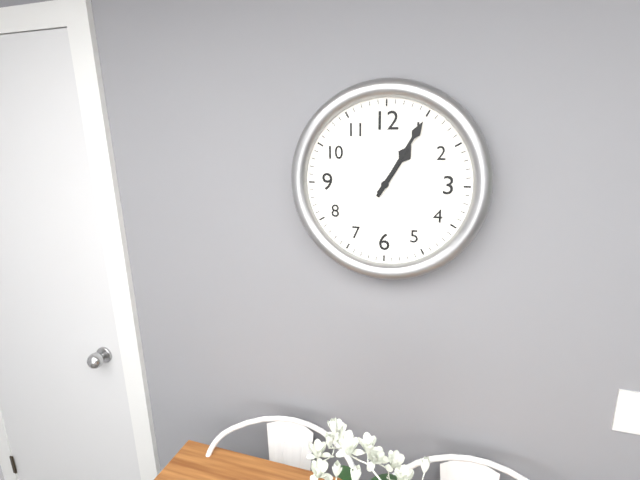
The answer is 1h05
